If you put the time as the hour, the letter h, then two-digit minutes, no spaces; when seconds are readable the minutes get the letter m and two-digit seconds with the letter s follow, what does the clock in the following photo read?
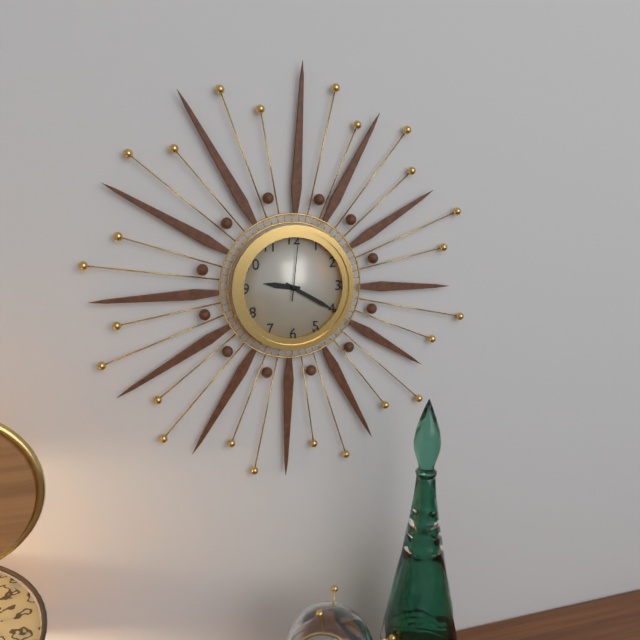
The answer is 9h20m01s
